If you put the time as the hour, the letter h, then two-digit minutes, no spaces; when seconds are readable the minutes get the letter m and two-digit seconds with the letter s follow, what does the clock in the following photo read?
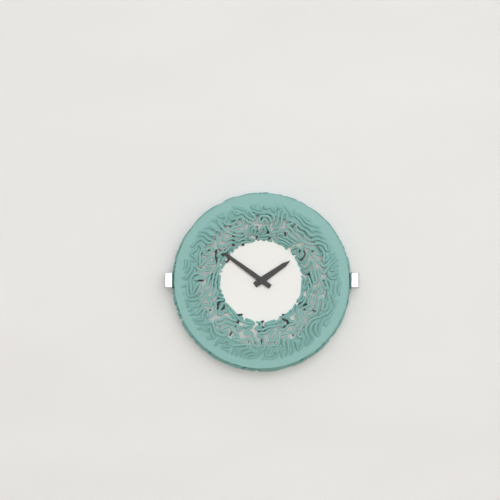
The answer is 1h51
